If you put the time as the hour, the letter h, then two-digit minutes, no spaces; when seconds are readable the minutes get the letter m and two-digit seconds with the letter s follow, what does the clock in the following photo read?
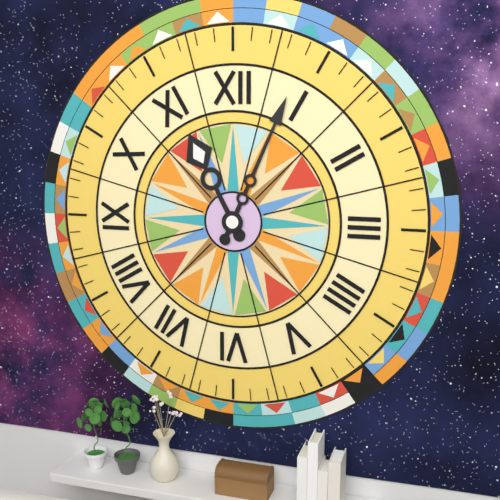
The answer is 11h04
